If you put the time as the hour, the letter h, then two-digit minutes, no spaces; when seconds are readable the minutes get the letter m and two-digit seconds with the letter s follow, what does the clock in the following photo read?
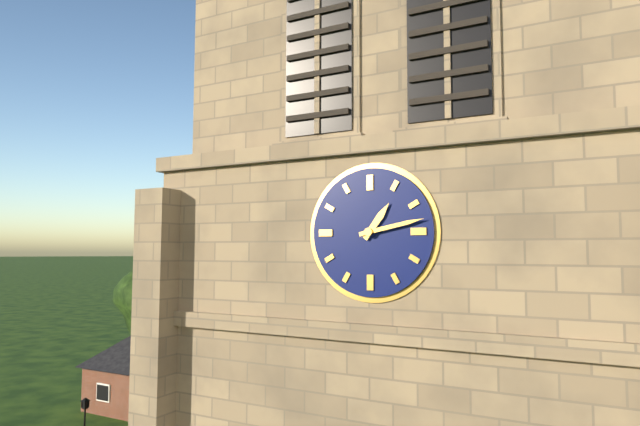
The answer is 1h13
